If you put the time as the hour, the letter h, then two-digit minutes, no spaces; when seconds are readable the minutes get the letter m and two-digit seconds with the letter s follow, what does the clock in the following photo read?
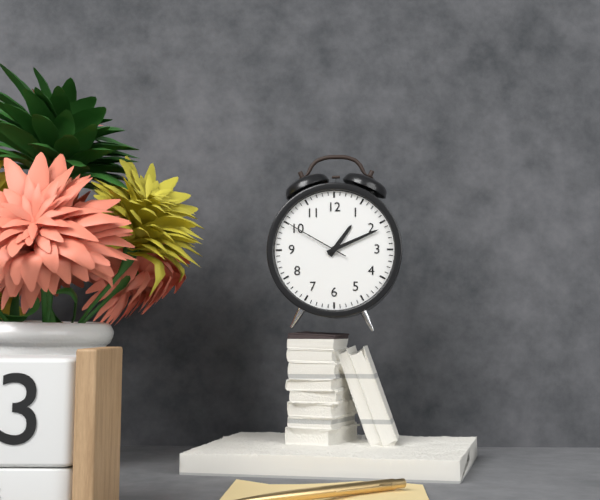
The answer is 1h11m50s
